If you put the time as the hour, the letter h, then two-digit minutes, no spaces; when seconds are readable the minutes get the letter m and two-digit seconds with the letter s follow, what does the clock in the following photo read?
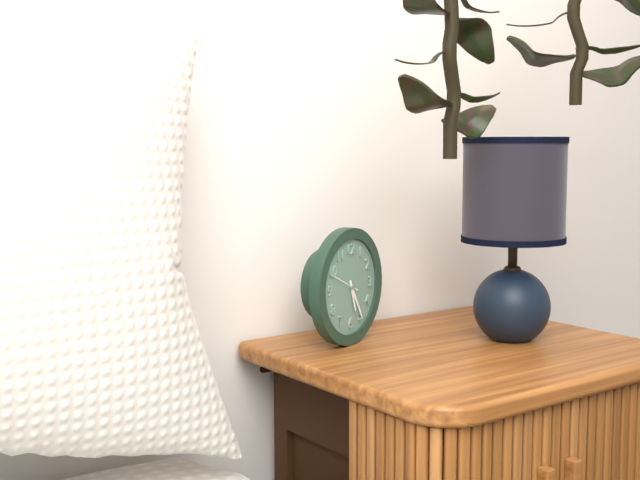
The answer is 5h25
